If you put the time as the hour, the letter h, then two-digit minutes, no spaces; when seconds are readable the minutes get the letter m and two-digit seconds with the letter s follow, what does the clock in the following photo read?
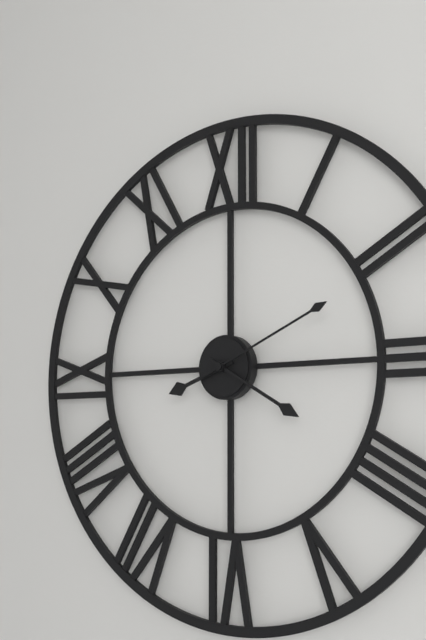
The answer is 8h20m11s
